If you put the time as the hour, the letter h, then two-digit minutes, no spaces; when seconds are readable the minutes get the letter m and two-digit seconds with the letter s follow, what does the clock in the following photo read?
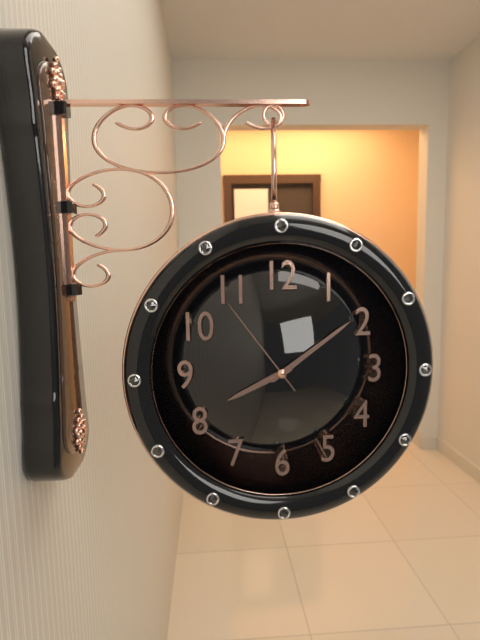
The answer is 8h09m54s
